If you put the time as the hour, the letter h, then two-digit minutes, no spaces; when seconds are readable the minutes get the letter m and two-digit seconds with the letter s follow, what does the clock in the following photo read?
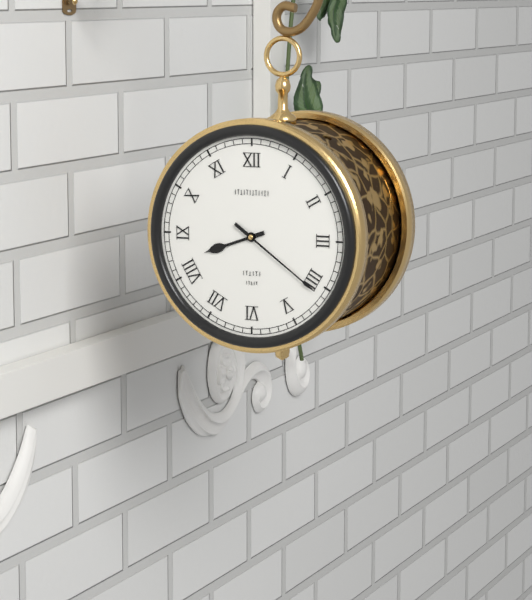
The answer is 8h21
